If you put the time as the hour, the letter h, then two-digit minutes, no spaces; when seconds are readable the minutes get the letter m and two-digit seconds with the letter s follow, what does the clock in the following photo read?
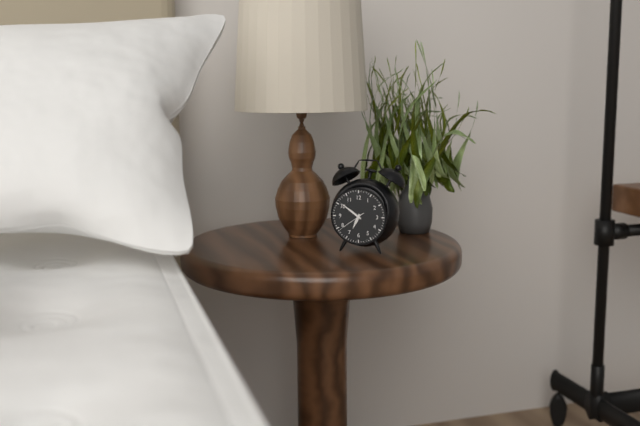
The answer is 6h51
